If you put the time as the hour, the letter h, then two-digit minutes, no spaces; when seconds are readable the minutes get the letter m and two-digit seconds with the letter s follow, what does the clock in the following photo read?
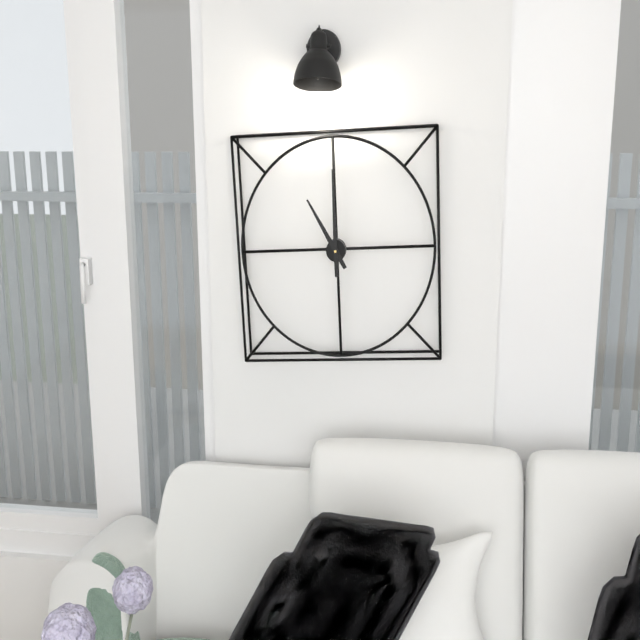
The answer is 11h00
